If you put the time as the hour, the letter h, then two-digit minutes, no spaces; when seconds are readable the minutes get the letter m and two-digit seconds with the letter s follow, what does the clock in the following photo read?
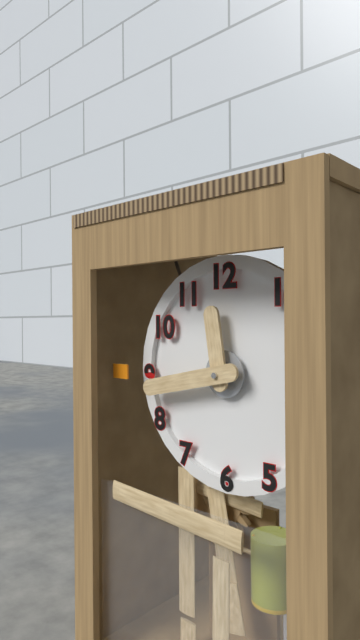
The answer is 11h43
